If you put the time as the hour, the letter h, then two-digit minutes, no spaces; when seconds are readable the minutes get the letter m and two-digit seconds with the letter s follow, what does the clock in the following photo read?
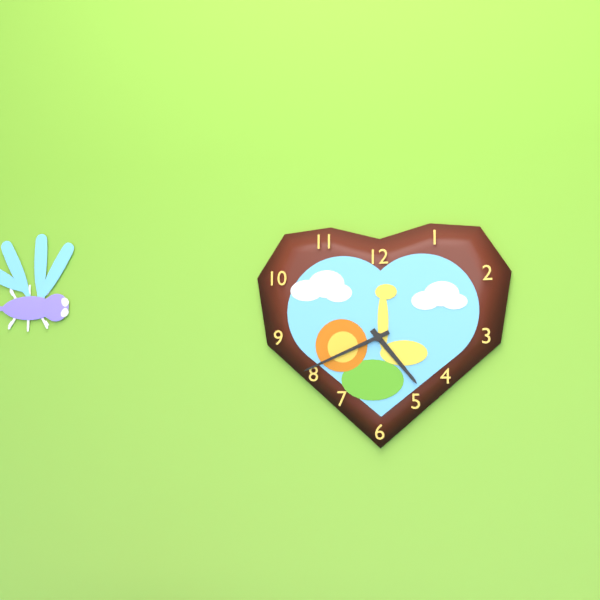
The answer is 4h41
